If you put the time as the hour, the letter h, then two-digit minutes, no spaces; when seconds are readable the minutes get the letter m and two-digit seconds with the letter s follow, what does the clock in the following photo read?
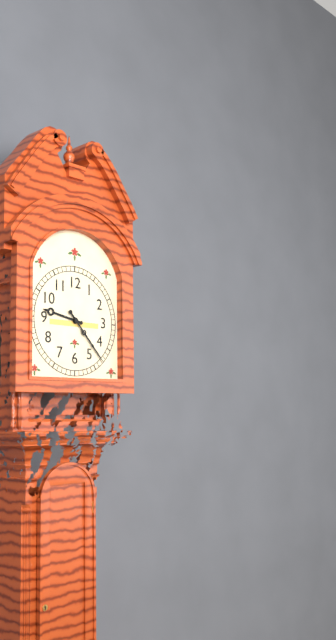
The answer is 9h23
